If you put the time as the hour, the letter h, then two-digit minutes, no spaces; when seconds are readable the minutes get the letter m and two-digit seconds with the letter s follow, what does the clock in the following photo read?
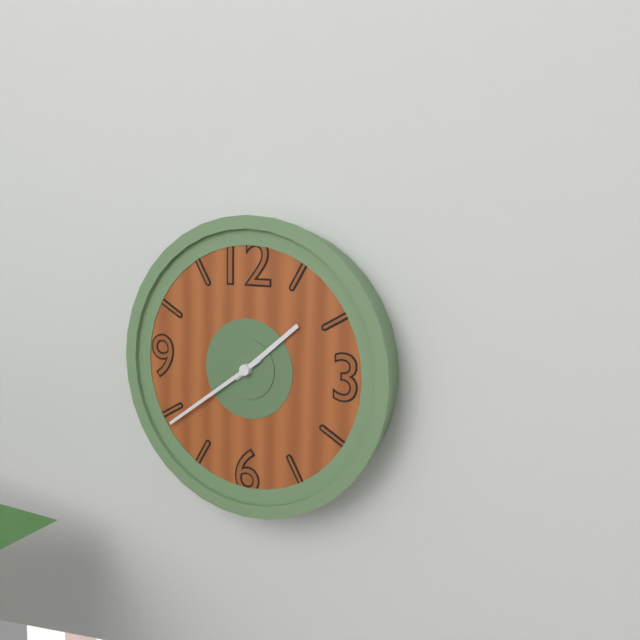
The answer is 1h39
